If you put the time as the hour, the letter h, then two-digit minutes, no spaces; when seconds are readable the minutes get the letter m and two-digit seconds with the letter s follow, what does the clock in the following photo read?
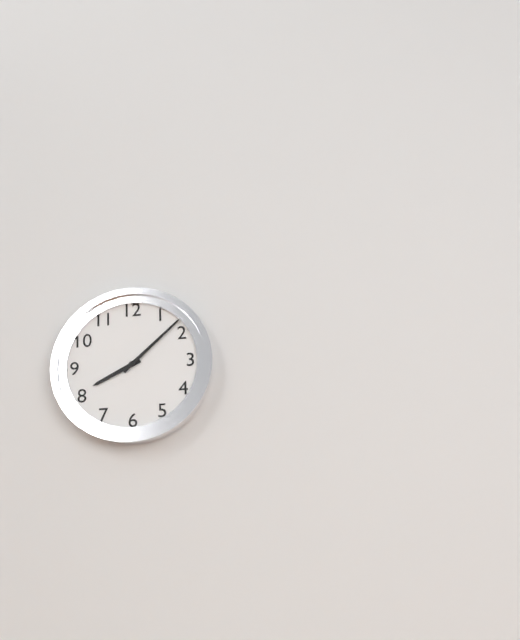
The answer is 8h08
